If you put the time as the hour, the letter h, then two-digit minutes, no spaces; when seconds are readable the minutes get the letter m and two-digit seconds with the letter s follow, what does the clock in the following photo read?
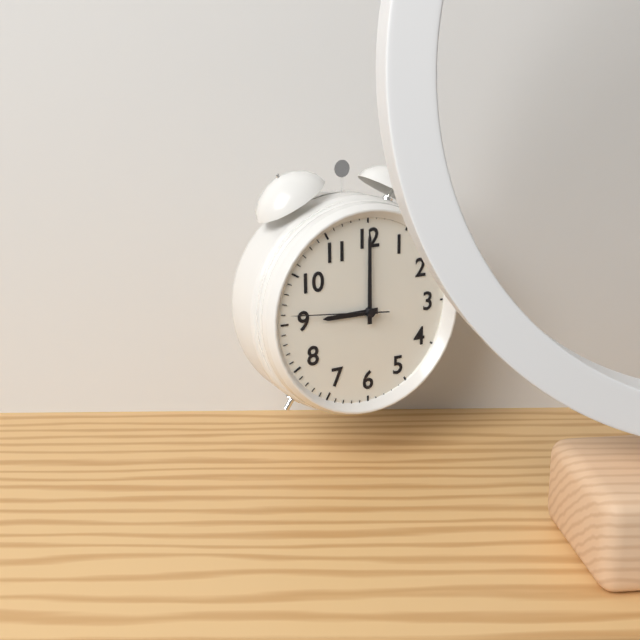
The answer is 9h00m46s
